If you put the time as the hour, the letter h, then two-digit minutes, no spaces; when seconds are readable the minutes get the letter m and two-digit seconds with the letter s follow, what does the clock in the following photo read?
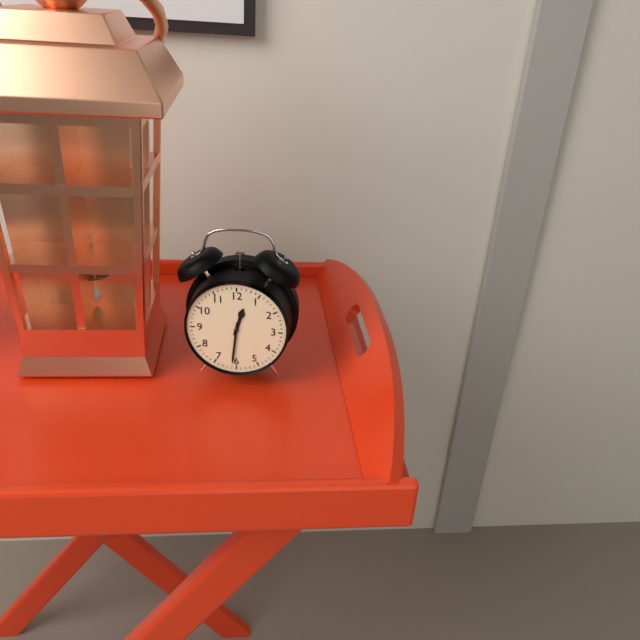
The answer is 12h31
